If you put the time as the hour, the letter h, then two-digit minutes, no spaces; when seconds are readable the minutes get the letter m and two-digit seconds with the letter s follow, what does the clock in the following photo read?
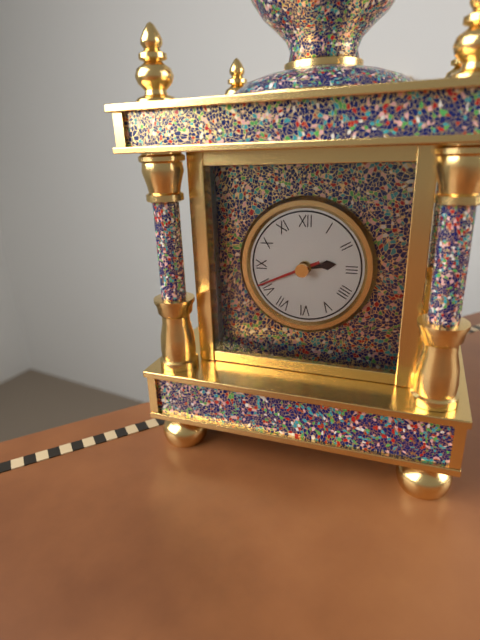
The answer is 2h41
